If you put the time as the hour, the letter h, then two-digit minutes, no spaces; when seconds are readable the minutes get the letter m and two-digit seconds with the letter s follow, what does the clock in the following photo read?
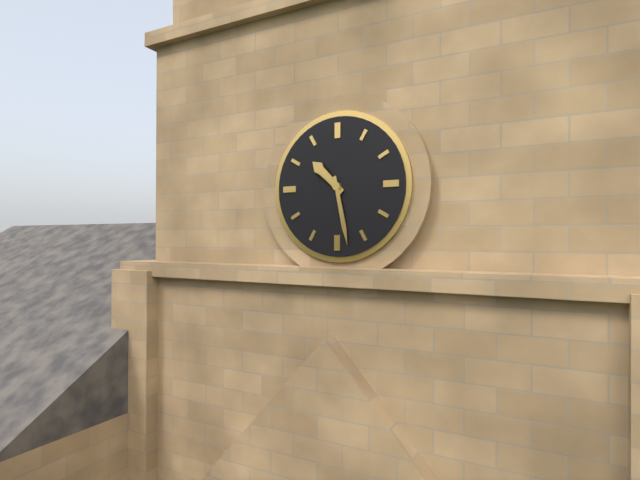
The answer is 10h28
